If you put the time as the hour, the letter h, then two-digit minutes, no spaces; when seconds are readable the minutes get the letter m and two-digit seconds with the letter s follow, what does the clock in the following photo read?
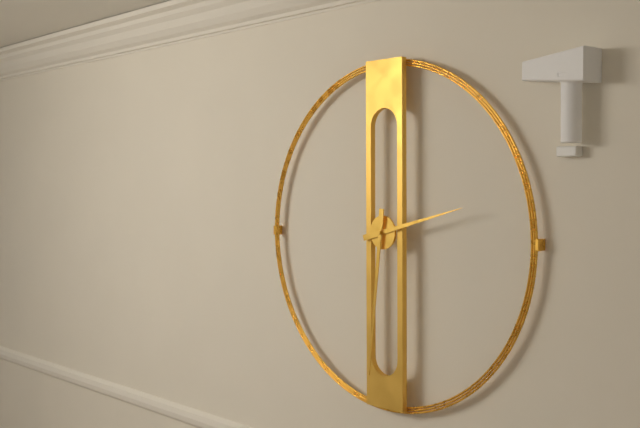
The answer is 2h31
